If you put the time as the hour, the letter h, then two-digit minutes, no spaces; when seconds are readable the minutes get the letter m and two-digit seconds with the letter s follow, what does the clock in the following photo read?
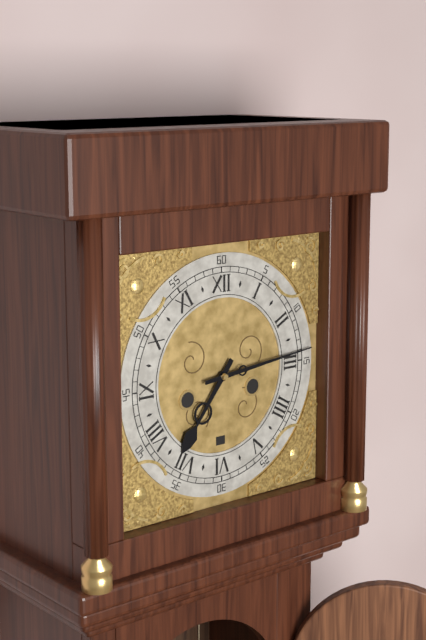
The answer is 7h14
